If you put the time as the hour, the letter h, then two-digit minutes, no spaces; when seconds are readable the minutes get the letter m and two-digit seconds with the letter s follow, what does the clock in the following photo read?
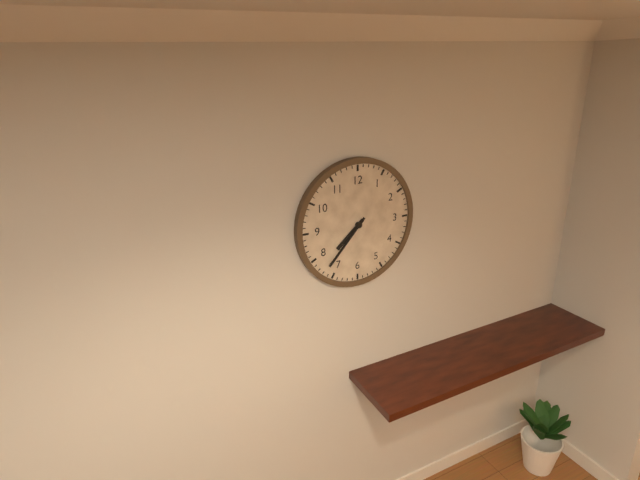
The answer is 7h37
